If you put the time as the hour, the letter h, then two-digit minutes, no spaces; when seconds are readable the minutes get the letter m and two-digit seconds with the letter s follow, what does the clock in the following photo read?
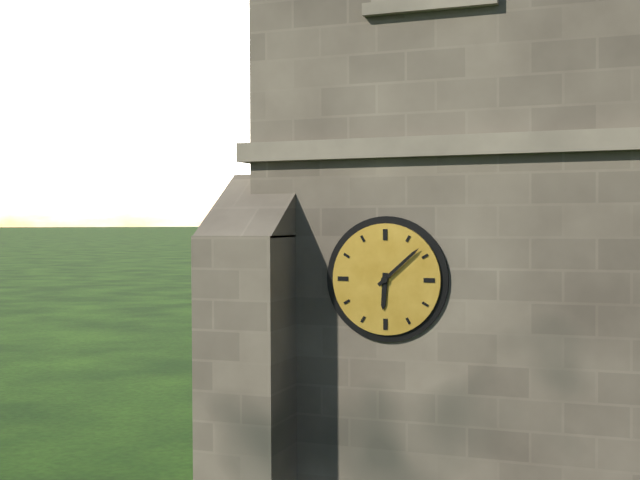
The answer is 6h08
